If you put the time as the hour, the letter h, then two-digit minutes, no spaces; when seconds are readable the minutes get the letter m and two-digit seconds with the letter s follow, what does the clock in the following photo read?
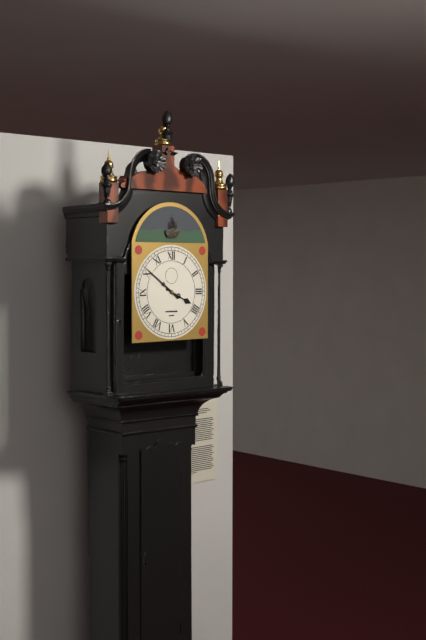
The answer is 3h51
